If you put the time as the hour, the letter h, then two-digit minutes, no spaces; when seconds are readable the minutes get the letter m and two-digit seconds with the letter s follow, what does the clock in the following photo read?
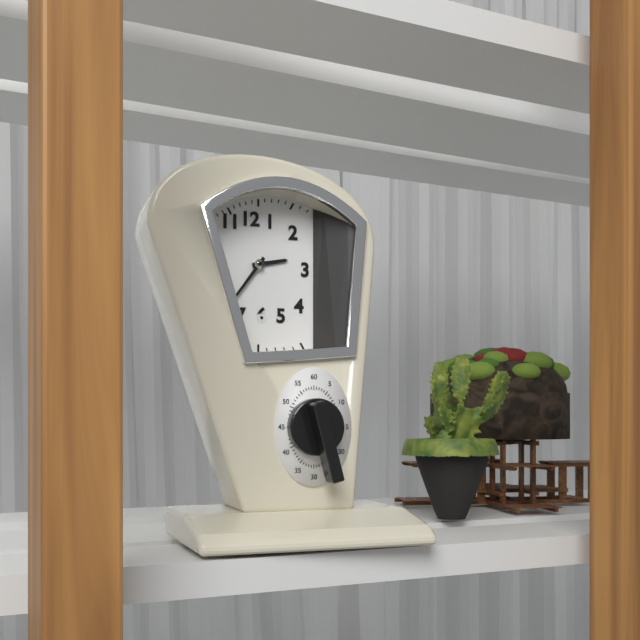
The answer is 2h36
